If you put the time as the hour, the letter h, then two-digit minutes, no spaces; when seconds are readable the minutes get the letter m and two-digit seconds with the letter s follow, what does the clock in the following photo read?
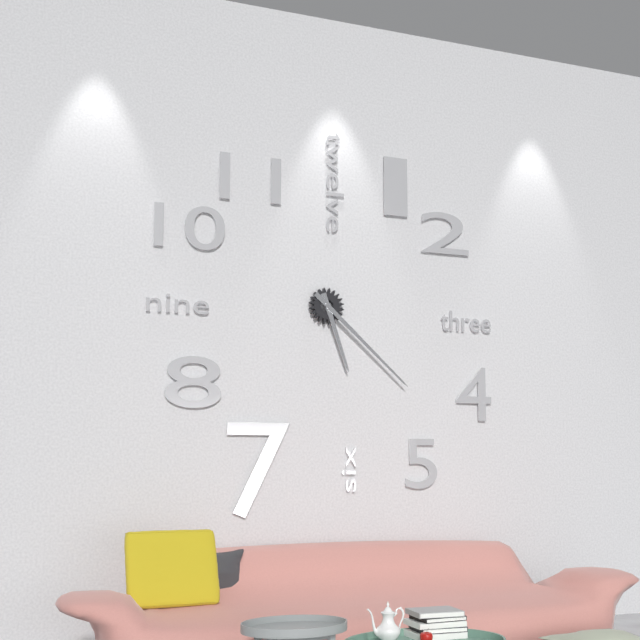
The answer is 5h22
